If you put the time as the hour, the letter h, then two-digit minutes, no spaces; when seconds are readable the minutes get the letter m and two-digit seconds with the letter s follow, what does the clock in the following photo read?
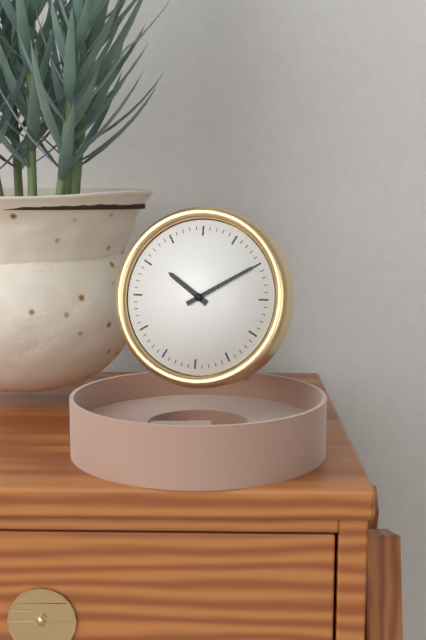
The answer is 10h10
